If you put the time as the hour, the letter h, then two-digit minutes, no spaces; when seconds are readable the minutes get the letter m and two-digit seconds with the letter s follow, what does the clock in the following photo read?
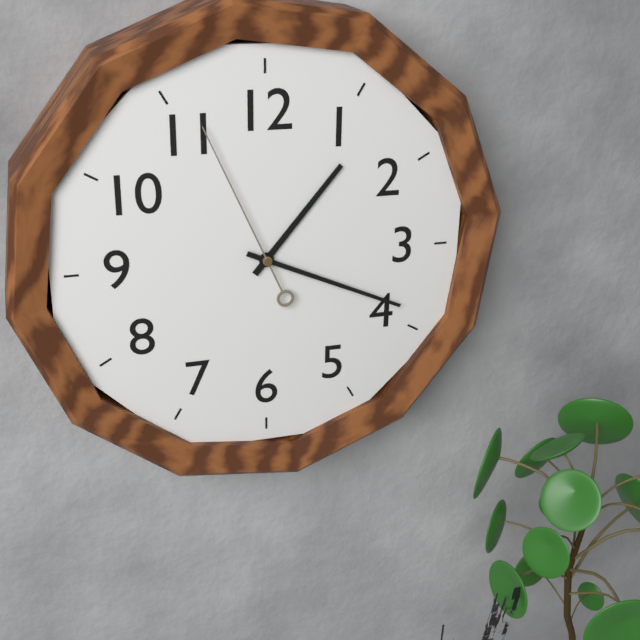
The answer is 1h19m56s
